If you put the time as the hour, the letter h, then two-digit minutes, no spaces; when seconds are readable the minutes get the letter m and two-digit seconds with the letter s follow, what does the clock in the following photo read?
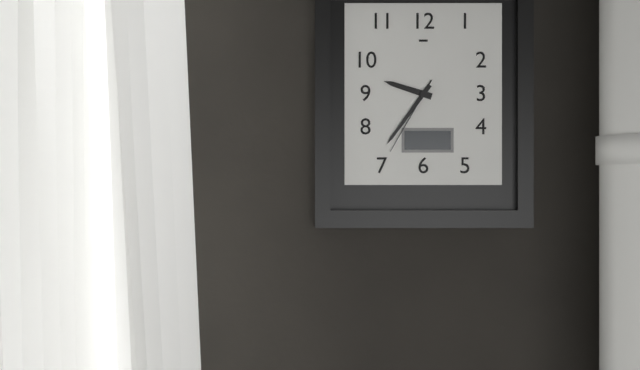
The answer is 9h36m35s
